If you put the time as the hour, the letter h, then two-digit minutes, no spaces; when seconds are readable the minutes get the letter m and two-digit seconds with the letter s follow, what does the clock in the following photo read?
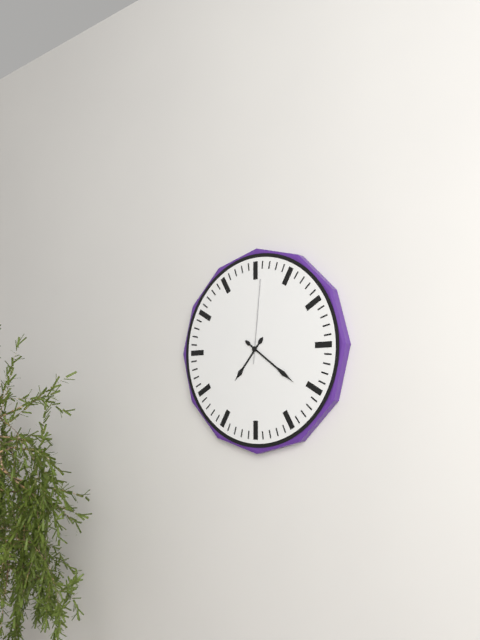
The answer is 7h21m01s
